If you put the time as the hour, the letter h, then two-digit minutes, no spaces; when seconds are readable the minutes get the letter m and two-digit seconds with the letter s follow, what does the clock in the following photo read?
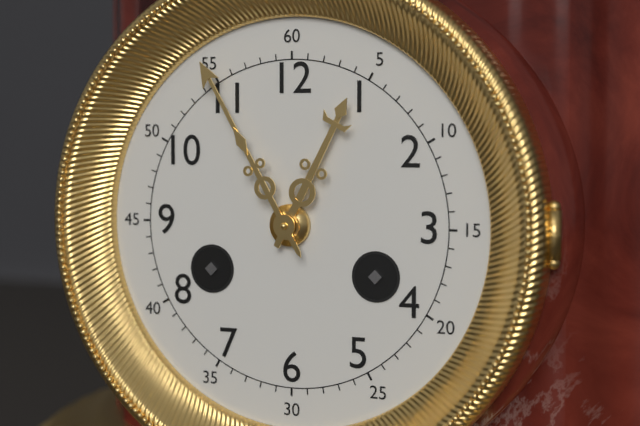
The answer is 12h55
